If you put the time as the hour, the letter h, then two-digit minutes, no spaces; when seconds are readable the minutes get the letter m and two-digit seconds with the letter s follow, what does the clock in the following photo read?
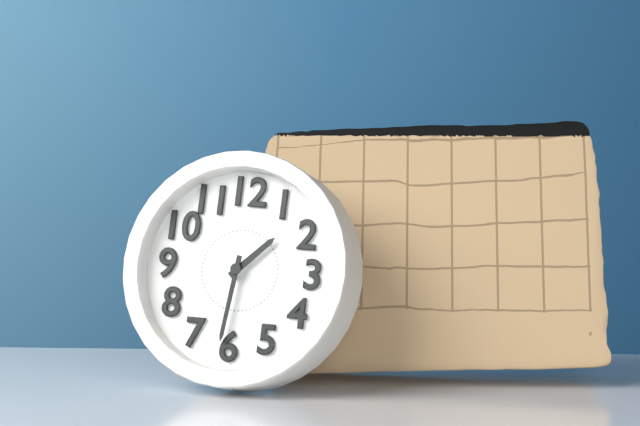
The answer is 1h31
